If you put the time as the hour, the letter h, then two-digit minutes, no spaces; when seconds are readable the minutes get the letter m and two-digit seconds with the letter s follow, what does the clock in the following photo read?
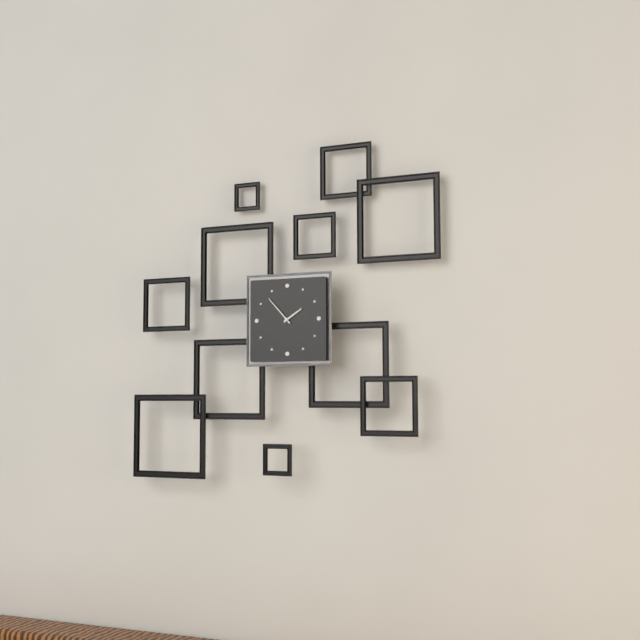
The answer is 1h53
